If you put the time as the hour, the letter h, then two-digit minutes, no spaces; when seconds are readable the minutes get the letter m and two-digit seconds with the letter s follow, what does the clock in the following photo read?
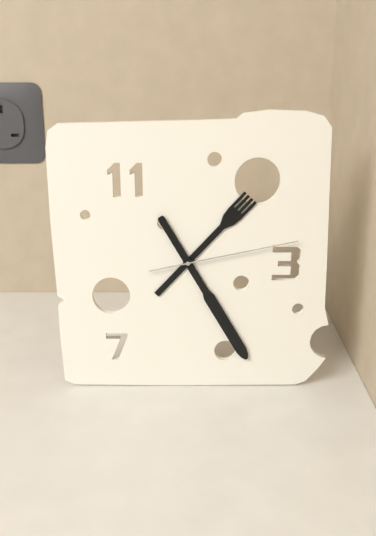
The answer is 1h25m13s
